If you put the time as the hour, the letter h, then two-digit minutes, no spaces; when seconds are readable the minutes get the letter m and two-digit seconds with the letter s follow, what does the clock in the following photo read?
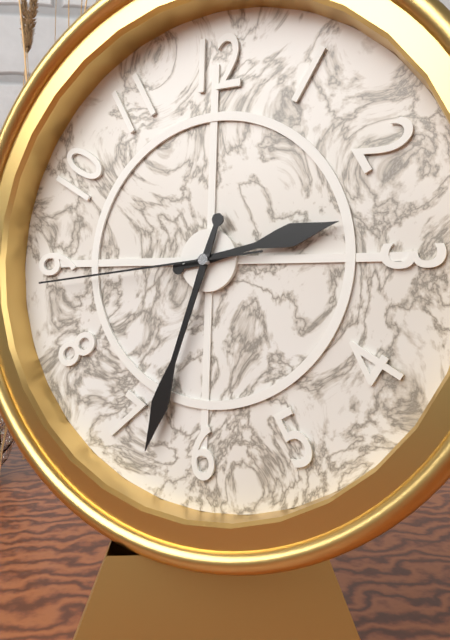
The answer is 2h33m44s
